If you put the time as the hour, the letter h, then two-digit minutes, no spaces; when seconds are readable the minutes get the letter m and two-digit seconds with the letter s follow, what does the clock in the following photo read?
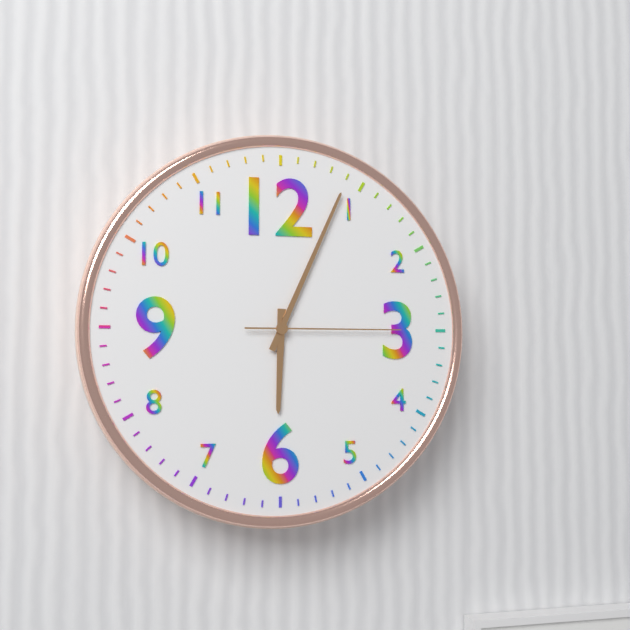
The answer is 6h04m15s
